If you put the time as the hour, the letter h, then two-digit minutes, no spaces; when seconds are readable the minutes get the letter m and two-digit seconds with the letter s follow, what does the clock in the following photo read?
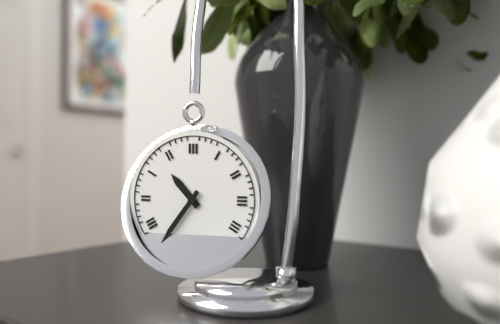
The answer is 10h36
